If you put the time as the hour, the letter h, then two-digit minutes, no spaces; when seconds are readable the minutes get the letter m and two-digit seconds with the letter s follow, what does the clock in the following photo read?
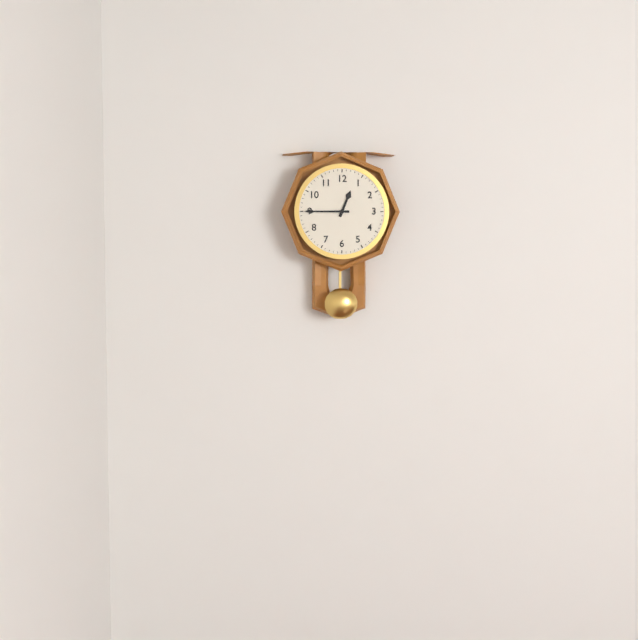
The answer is 12h45
